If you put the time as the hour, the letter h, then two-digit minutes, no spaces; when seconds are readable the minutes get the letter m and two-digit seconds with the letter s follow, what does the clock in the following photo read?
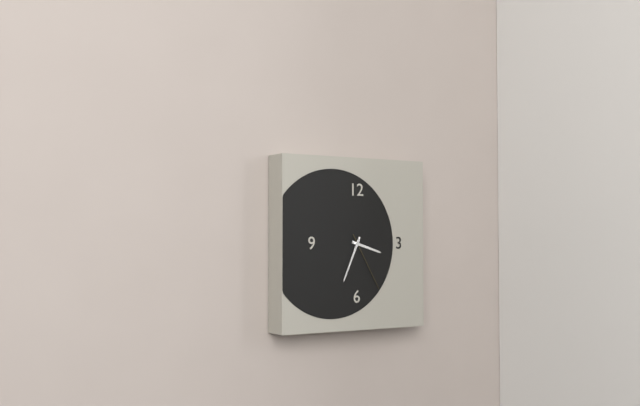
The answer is 3h34m25s
